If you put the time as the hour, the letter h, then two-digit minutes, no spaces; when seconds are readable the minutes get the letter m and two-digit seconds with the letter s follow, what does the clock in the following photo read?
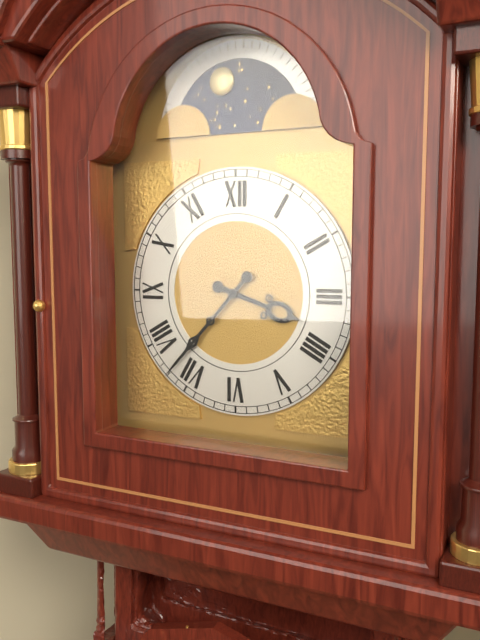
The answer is 3h37
